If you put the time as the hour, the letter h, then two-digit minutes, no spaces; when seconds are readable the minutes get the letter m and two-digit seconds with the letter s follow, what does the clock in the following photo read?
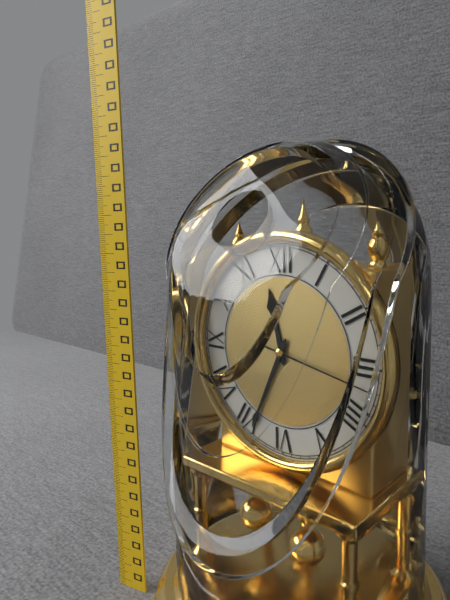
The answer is 11h34m17s
